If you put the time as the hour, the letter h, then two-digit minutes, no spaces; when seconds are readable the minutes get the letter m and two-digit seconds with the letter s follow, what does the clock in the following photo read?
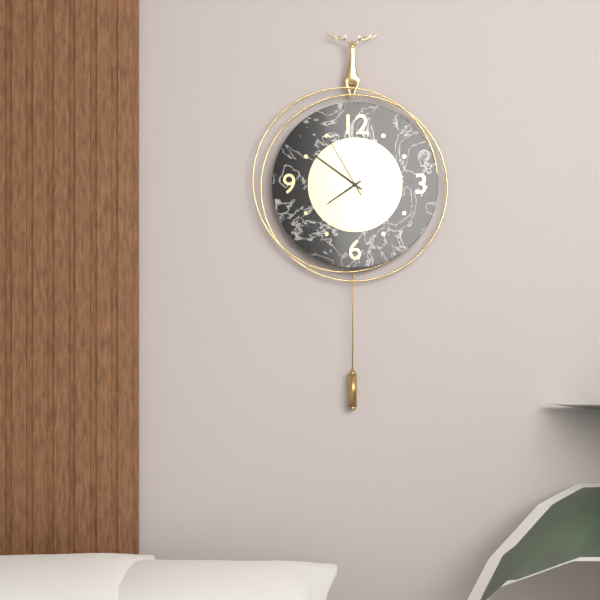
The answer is 7h51m55s
